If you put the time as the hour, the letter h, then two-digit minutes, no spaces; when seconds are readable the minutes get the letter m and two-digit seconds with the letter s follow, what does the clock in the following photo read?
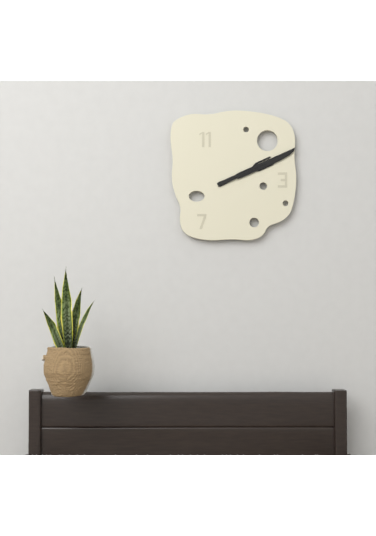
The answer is 2h11
